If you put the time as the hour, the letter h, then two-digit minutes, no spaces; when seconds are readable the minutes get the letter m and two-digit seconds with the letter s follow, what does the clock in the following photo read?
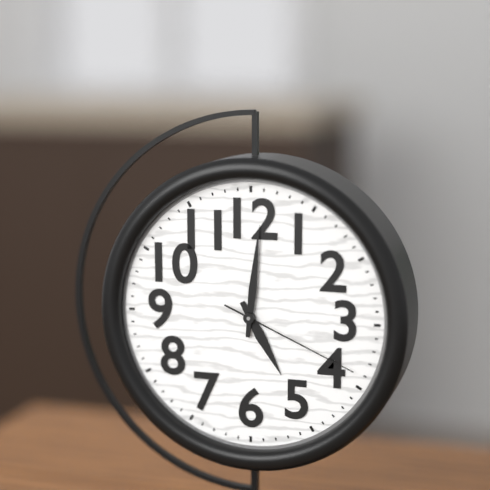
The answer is 5h01m19s
